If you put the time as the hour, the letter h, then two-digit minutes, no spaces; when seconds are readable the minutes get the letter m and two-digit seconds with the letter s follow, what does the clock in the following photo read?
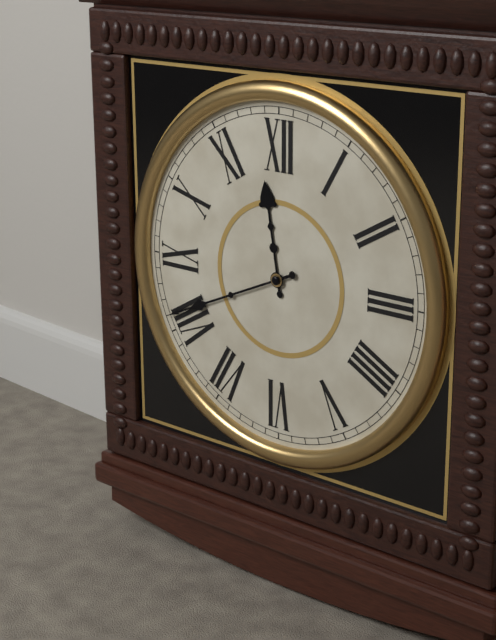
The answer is 11h41
